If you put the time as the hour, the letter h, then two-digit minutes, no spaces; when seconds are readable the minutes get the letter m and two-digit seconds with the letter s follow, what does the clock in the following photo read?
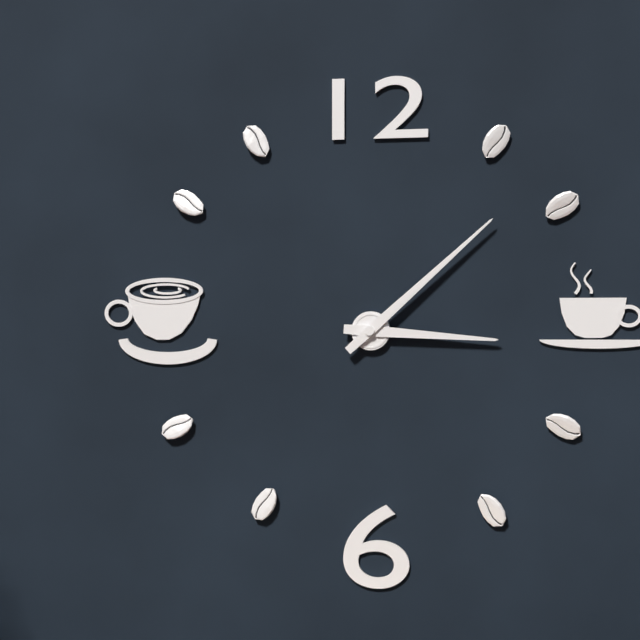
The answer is 3h08
